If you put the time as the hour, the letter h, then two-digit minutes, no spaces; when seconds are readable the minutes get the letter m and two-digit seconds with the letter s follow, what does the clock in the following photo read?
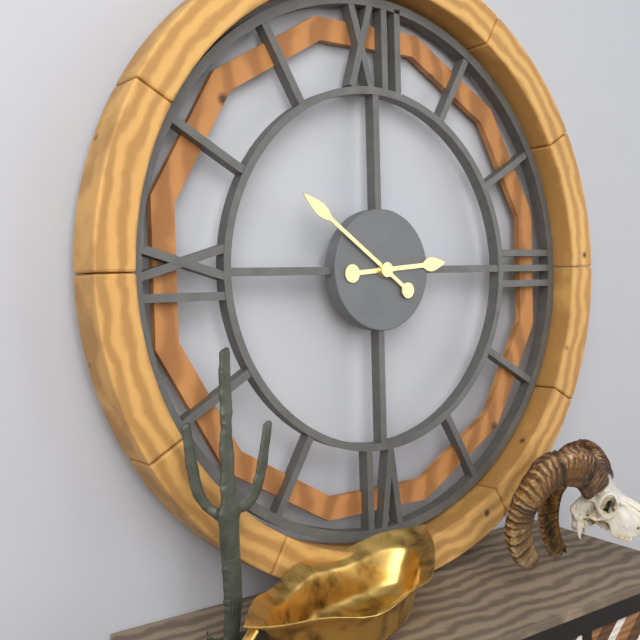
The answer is 2h51
